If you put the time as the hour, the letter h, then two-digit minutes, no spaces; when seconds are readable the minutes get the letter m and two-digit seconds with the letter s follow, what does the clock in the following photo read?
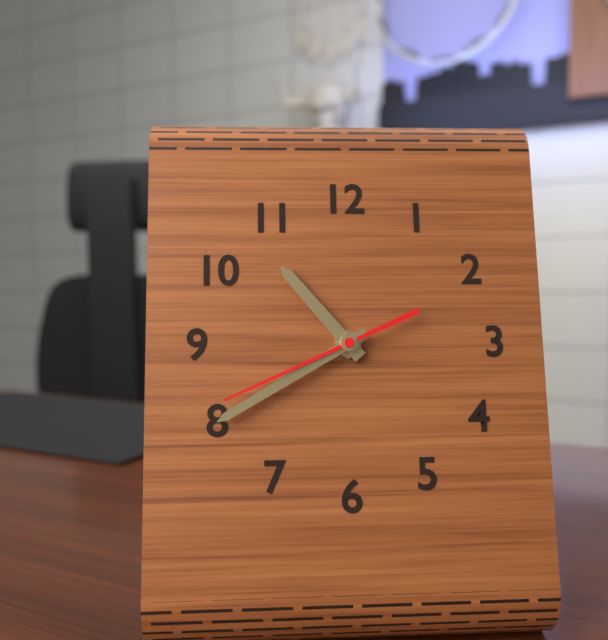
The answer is 10h40m41s
